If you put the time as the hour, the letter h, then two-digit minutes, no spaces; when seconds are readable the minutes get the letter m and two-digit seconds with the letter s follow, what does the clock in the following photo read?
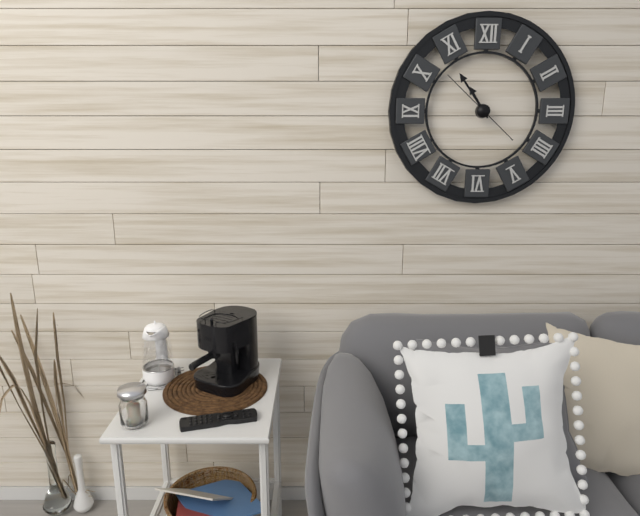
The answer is 10h54m52s
